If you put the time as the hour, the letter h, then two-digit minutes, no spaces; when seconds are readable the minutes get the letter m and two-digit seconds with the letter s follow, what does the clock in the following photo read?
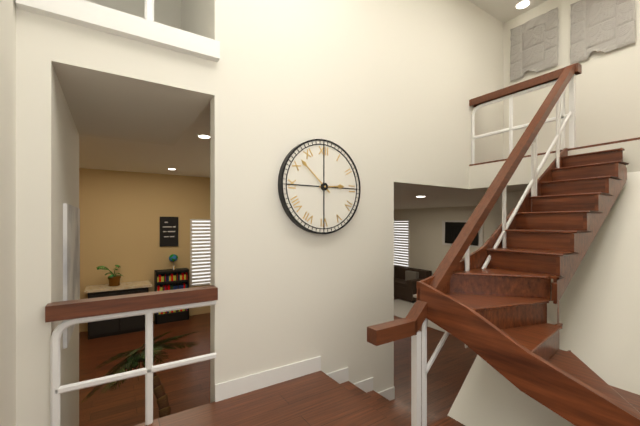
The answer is 2h52
